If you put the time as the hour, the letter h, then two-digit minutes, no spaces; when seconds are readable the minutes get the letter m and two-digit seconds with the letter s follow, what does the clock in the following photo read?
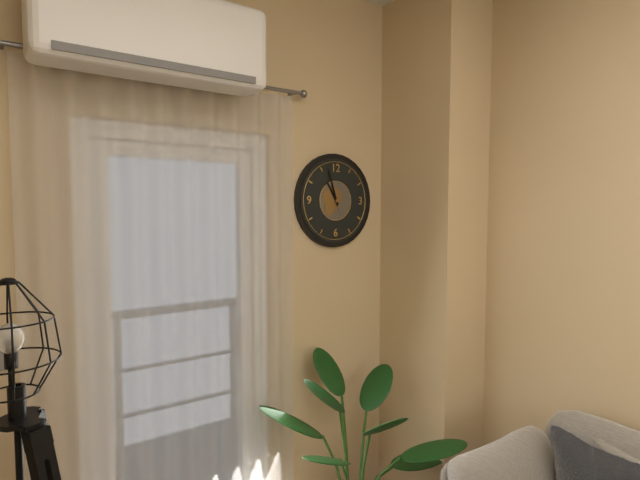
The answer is 10h57
